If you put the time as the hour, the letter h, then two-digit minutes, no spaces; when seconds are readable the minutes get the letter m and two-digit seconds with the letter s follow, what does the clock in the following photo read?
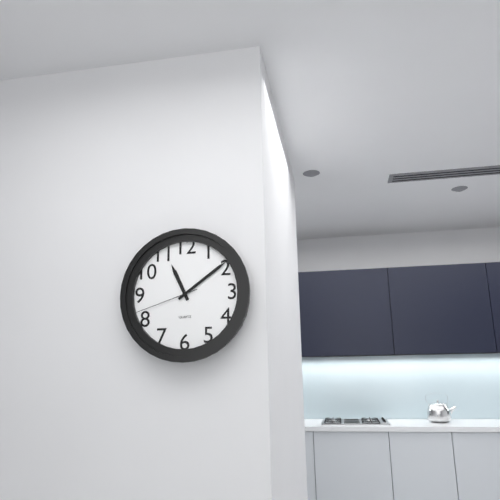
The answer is 11h09m42s
